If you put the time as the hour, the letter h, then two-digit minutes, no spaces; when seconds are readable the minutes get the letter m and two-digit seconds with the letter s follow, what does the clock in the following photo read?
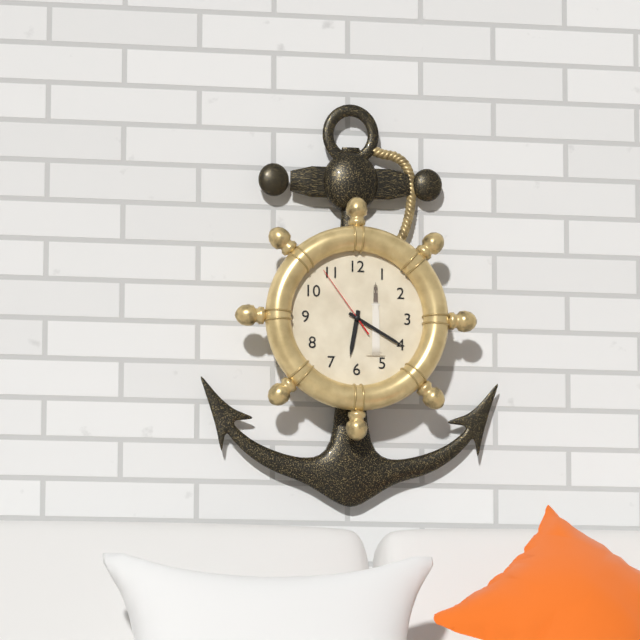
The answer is 6h20m54s
